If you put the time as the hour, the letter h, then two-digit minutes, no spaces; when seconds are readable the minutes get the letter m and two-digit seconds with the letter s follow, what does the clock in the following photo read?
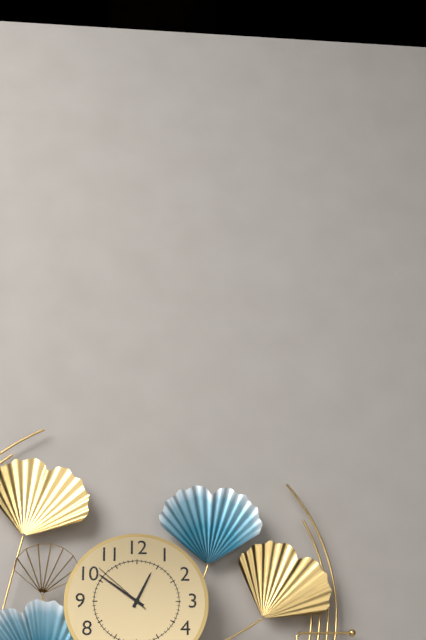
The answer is 12h51m52s
